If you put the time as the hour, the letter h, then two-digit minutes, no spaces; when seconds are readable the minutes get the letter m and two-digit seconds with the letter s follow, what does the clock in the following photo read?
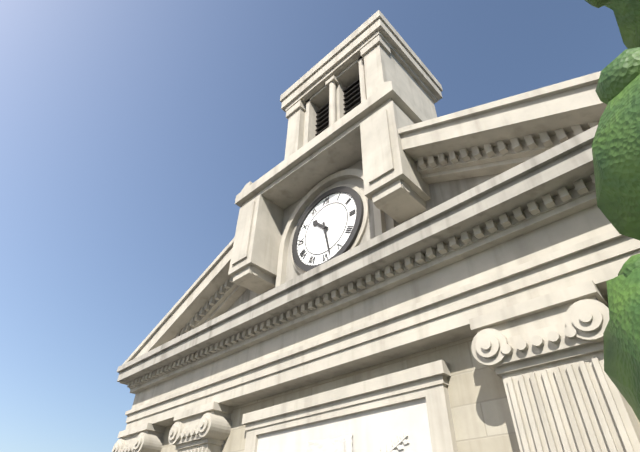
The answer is 10h28
